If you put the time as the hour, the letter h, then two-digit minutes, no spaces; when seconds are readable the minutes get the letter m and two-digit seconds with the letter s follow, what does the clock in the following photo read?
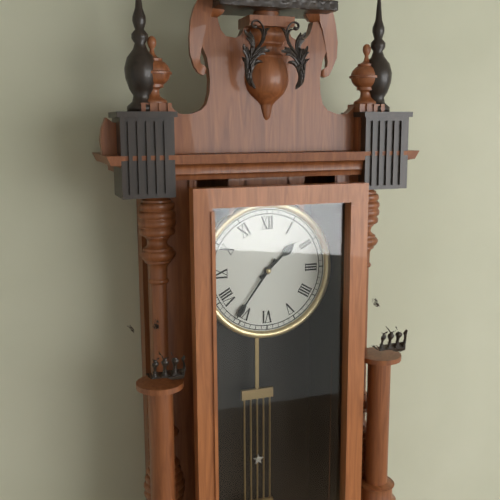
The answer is 1h36
